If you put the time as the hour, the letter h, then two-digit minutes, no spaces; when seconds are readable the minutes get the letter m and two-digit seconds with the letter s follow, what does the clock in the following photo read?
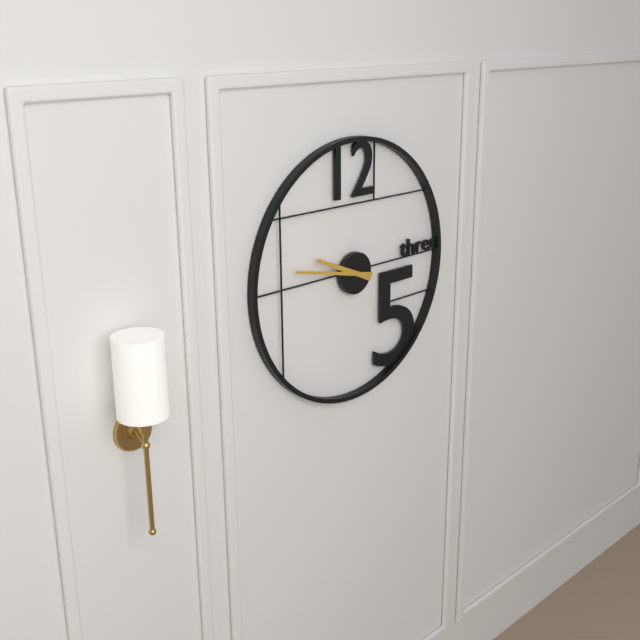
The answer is 9h47
